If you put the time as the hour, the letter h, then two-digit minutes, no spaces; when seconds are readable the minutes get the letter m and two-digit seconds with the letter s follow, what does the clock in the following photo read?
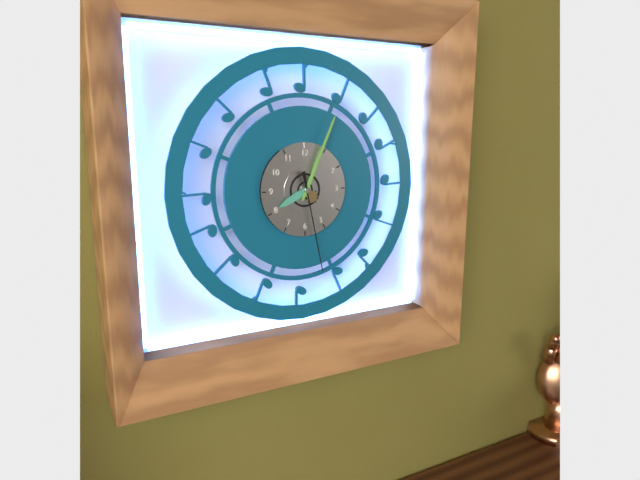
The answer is 8h04m28s
